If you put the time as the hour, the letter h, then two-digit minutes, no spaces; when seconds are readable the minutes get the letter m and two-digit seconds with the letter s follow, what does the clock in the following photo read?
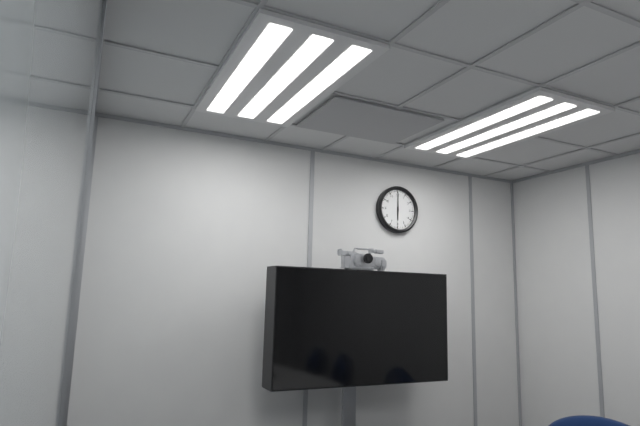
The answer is 6h00
